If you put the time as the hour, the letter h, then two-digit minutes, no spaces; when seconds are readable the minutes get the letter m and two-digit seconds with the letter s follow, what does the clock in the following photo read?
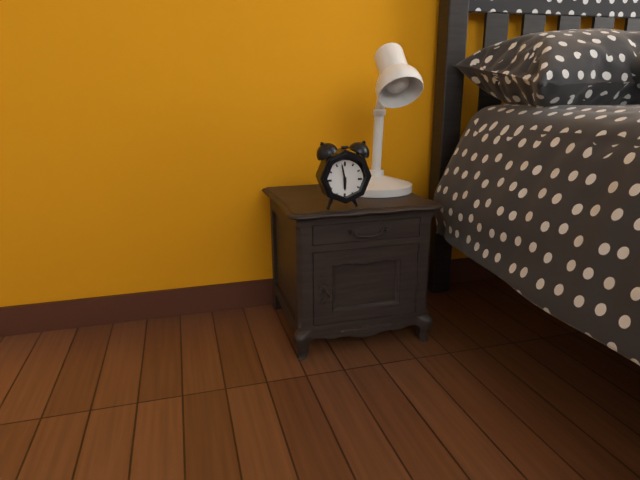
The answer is 5h58
